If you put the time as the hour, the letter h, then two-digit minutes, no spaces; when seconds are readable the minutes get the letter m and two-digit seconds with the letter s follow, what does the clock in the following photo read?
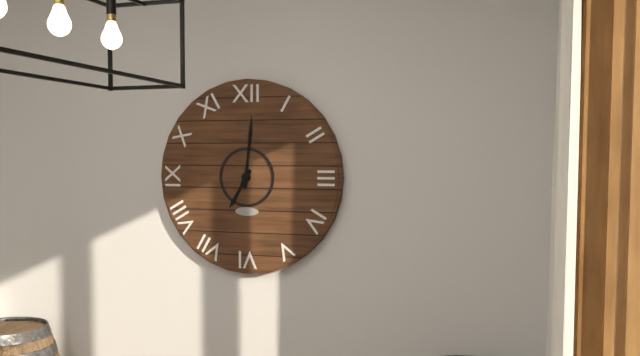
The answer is 7h01
